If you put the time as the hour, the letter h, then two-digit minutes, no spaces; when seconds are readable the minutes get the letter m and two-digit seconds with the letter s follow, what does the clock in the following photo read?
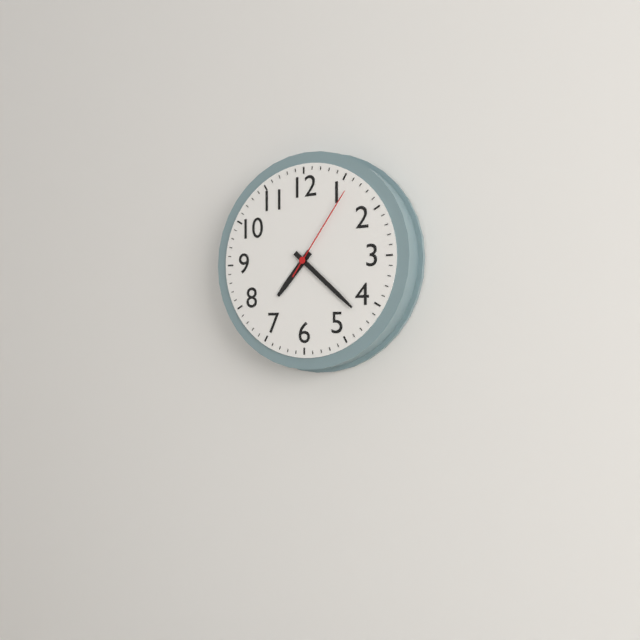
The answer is 7h22m06s
